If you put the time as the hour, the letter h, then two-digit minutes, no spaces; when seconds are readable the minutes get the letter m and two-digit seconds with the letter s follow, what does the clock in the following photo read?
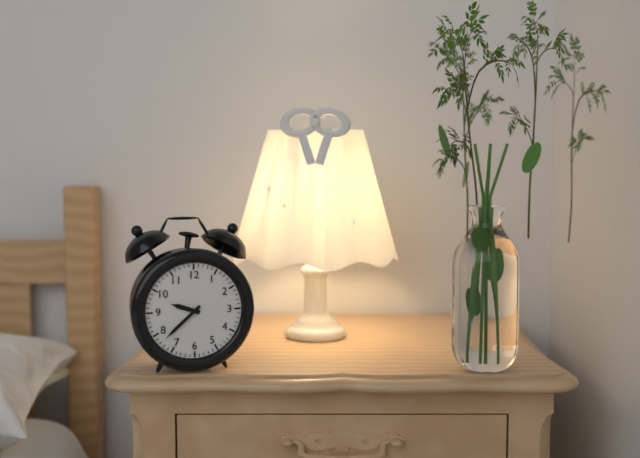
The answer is 9h38
